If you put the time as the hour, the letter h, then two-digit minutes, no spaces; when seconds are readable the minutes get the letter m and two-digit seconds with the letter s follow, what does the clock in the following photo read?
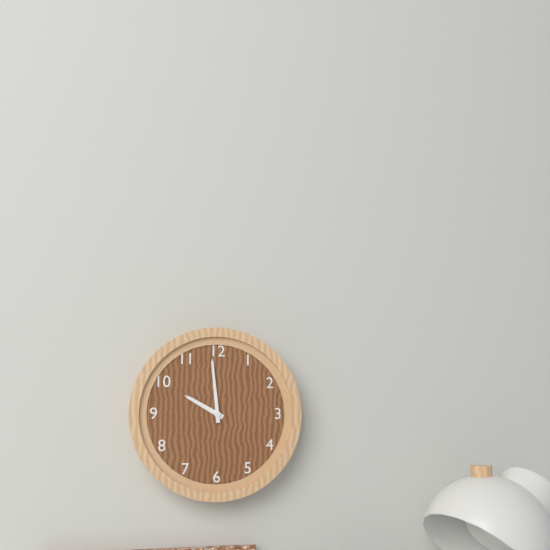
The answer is 9h59
